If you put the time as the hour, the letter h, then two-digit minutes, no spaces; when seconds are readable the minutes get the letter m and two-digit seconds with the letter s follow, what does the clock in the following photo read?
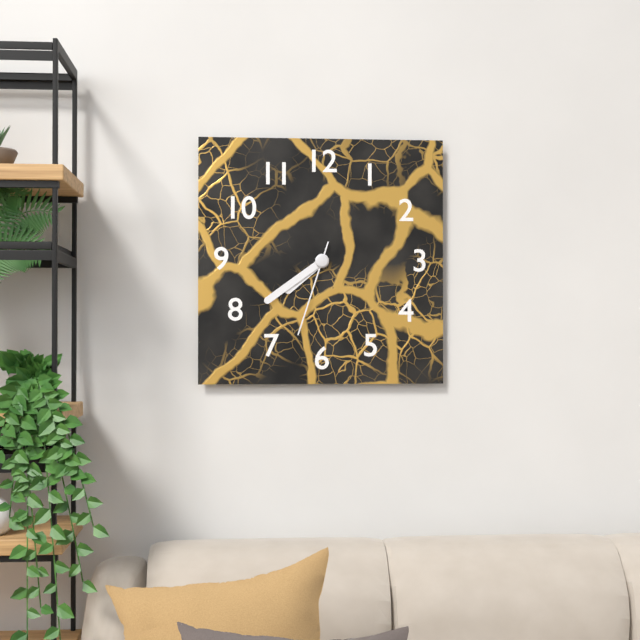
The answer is 7h39m33s
